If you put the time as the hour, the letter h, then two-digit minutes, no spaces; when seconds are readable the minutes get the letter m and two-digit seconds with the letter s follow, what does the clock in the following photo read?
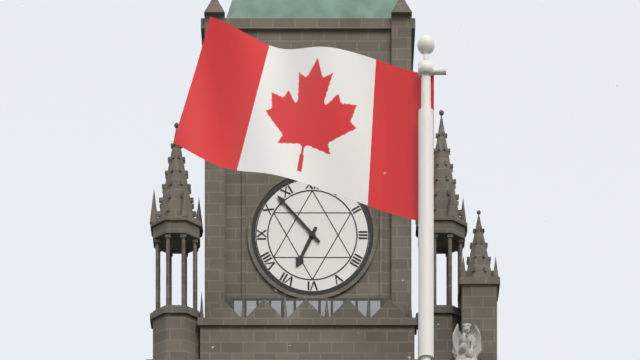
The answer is 6h53
